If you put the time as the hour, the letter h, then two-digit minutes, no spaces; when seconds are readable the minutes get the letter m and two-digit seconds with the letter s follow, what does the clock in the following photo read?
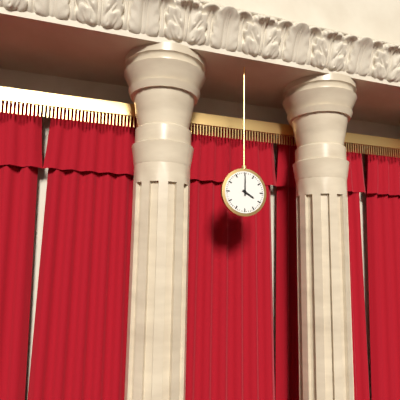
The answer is 4h00
